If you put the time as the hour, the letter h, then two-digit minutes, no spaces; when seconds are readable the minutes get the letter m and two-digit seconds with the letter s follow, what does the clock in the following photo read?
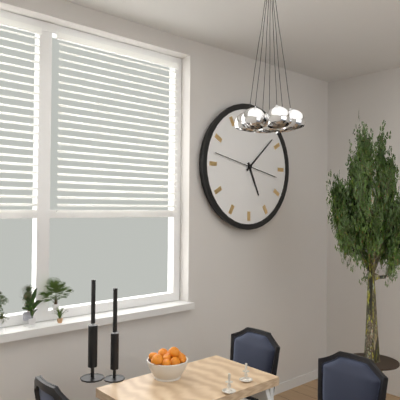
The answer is 5h08
